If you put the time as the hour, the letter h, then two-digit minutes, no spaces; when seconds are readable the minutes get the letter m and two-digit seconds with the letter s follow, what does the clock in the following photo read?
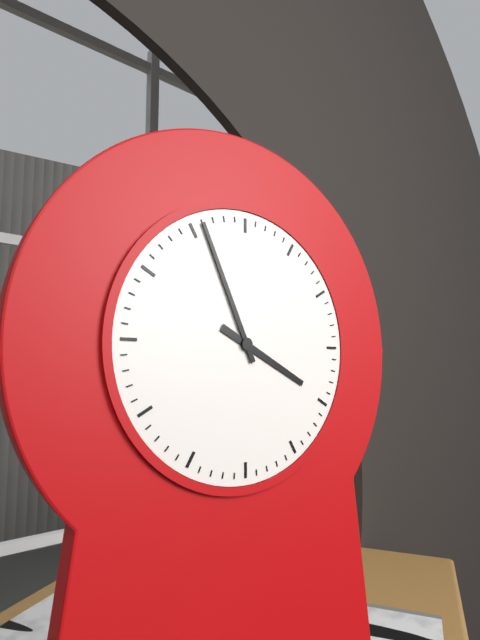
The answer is 3h56
